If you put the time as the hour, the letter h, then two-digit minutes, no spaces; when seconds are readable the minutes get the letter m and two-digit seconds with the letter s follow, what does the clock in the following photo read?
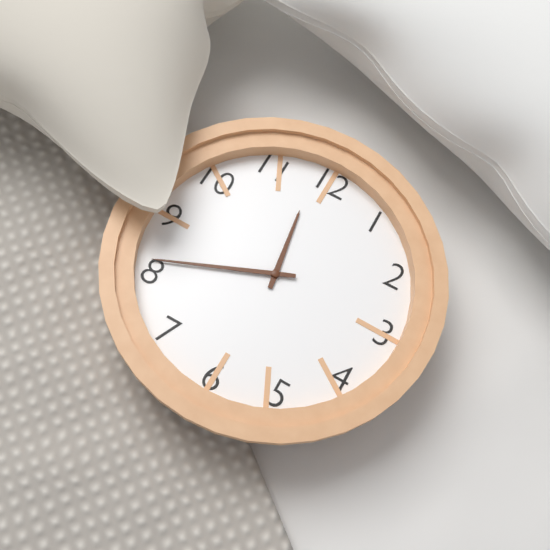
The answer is 11h41
